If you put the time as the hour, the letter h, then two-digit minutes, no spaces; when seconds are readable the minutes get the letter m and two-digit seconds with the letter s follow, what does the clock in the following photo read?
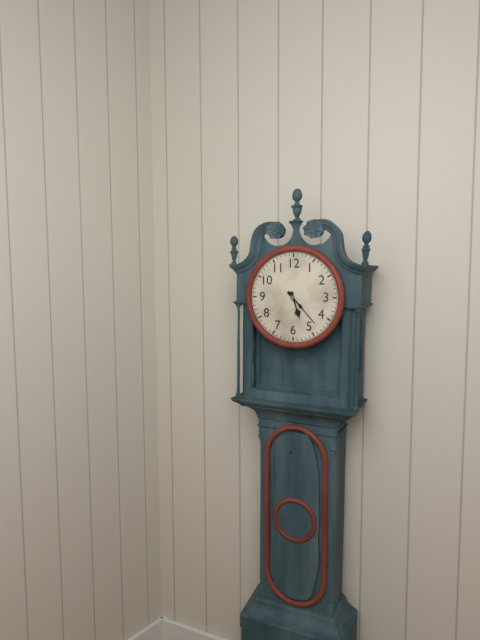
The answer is 5h23
